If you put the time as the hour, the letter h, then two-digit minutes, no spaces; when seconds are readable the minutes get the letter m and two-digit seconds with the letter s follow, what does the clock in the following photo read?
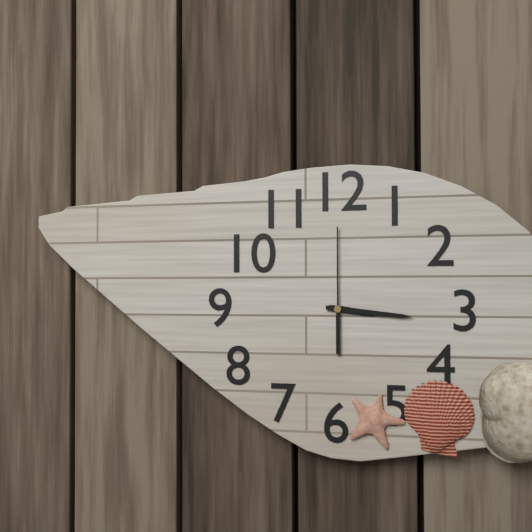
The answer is 3h16m00s
